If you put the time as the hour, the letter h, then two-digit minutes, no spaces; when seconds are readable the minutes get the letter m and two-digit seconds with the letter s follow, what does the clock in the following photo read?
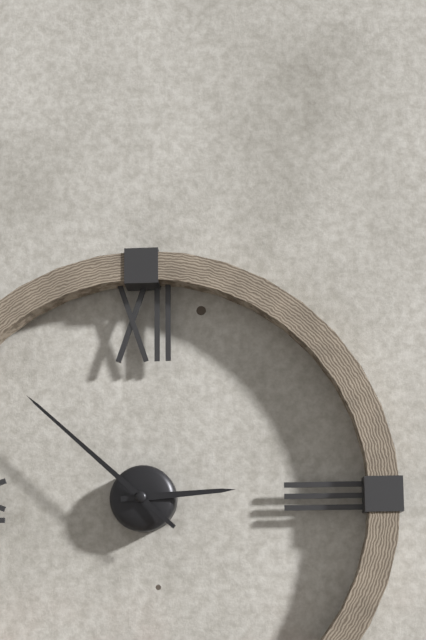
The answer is 2h52
